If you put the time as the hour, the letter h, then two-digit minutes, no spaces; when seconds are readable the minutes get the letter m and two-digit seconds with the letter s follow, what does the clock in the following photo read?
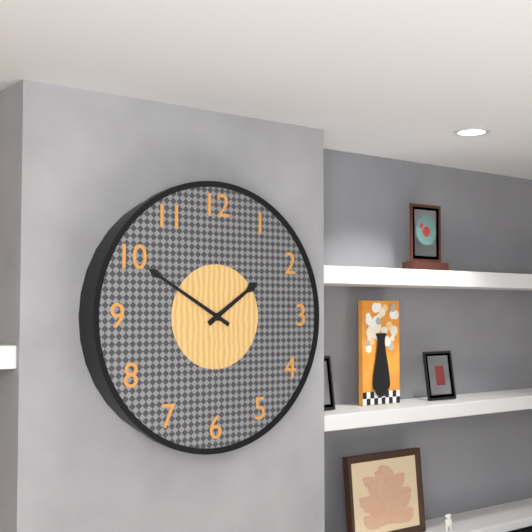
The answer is 1h50
